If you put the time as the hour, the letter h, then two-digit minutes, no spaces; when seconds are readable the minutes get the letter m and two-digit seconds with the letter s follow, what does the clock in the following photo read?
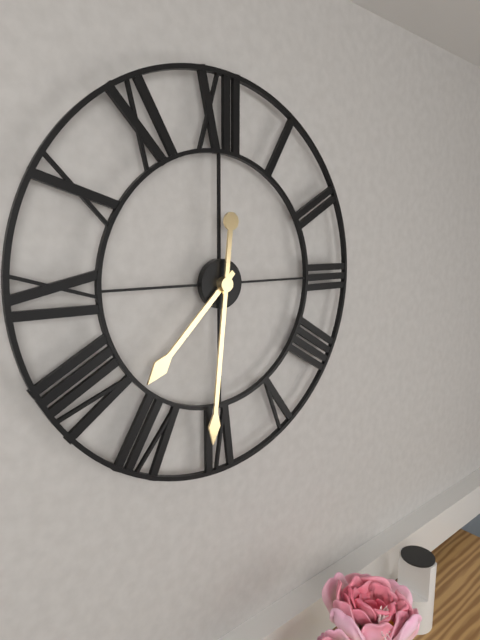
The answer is 7h31
